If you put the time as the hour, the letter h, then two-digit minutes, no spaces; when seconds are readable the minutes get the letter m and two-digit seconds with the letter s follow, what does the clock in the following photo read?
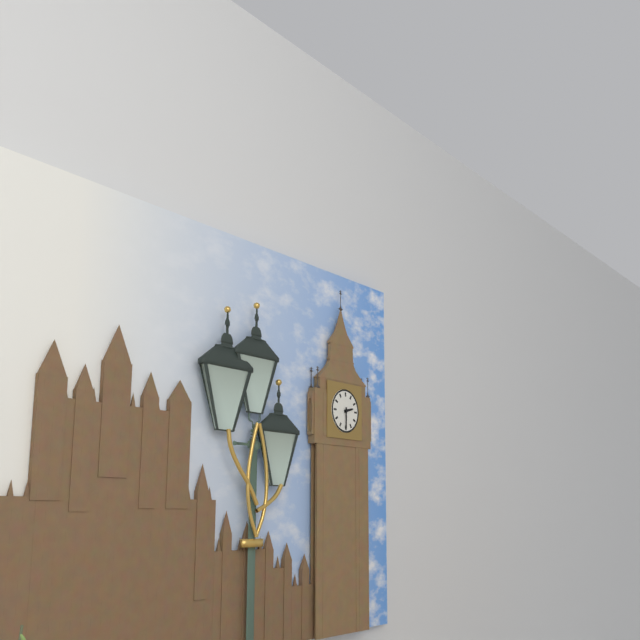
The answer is 2h30
